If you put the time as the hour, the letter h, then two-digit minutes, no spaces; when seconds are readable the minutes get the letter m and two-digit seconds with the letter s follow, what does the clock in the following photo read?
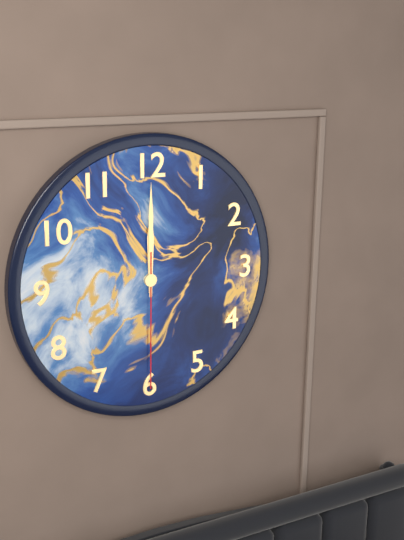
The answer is 12h00m30s
